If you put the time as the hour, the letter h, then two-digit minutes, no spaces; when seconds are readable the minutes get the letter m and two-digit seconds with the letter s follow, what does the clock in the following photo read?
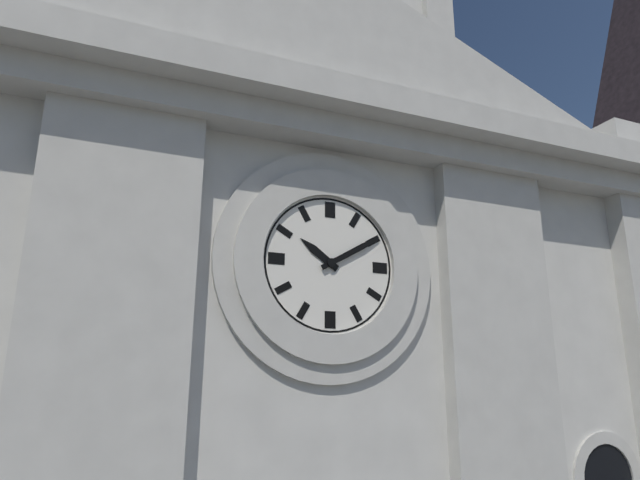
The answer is 10h10
